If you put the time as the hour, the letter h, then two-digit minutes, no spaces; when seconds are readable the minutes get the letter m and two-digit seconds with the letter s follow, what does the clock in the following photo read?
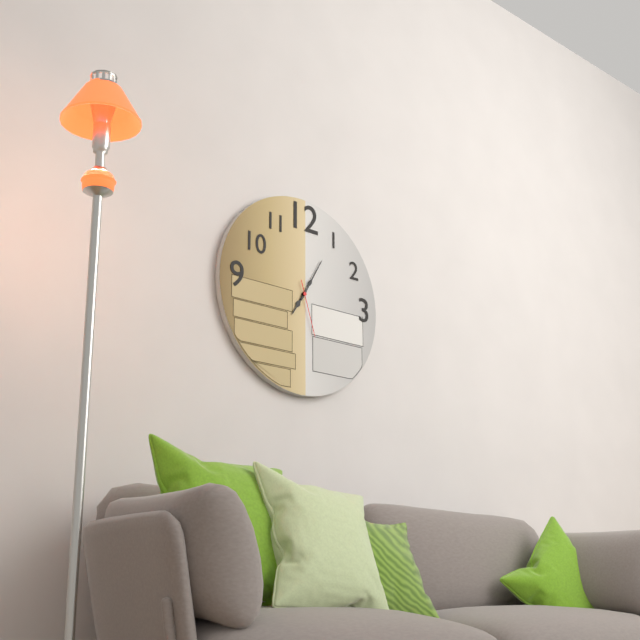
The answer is 7h05m27s
